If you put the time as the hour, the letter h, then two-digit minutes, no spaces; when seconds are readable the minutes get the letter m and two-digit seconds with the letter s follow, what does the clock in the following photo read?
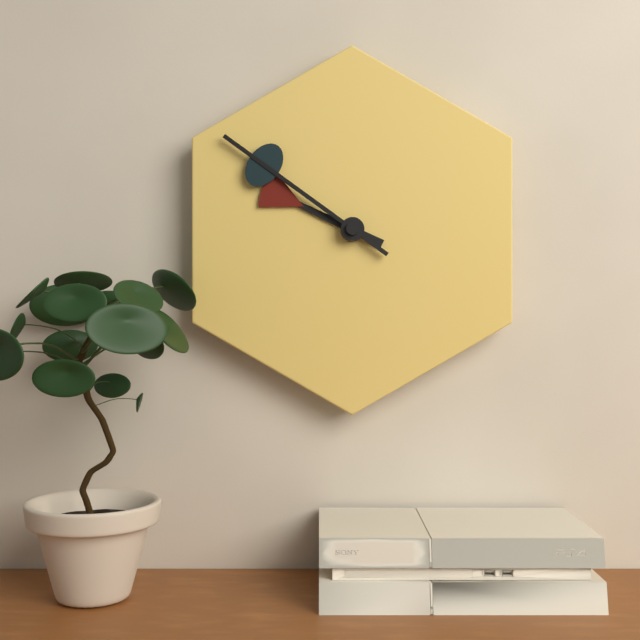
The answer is 9h51
